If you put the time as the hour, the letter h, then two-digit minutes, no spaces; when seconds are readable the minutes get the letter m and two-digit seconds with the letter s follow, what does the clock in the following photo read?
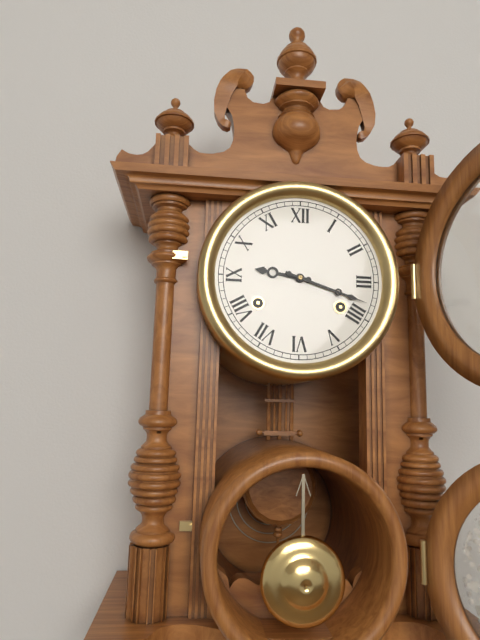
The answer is 9h18
